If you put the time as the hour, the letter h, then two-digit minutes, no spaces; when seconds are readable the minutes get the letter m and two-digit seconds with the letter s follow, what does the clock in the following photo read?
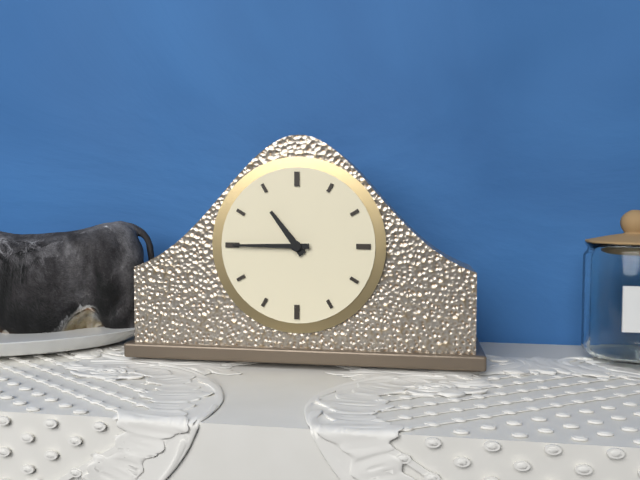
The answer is 10h45
